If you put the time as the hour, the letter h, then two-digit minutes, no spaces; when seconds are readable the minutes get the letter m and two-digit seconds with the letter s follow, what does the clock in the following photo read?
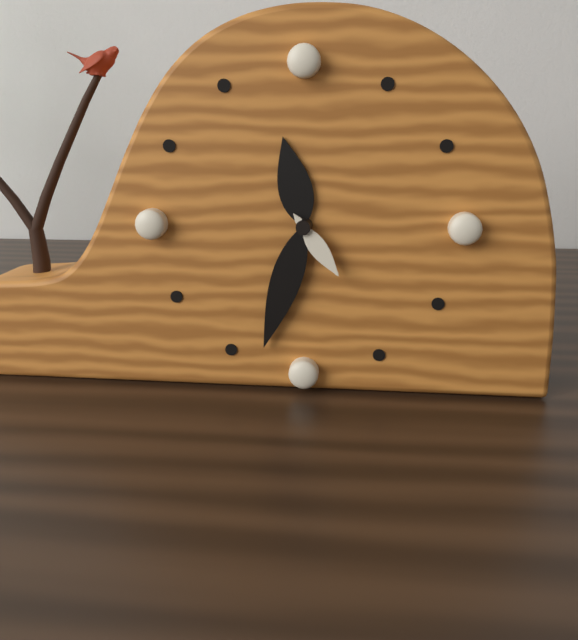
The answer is 11h33m24s
